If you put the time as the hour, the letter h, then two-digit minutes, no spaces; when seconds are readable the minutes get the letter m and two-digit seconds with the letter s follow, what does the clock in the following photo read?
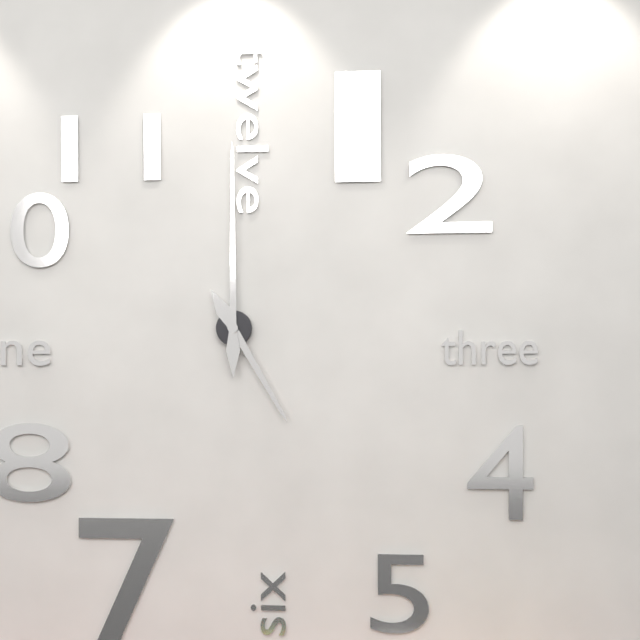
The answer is 5h00
